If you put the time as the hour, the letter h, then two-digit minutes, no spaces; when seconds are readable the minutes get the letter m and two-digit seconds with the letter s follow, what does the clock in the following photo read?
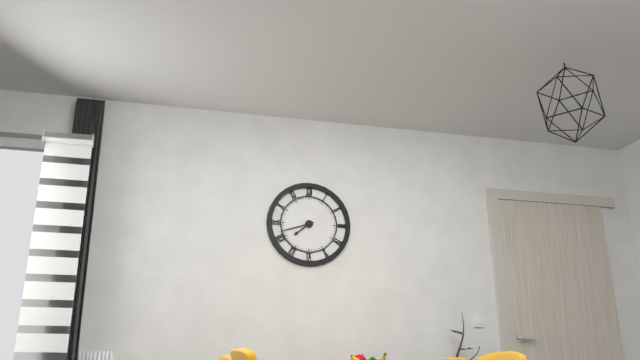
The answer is 7h42
